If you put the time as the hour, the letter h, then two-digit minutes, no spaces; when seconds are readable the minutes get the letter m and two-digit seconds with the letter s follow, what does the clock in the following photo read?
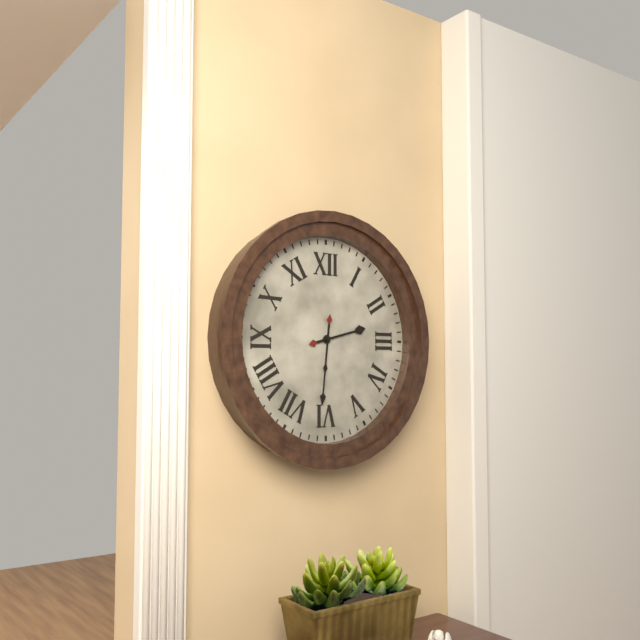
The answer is 2h31
